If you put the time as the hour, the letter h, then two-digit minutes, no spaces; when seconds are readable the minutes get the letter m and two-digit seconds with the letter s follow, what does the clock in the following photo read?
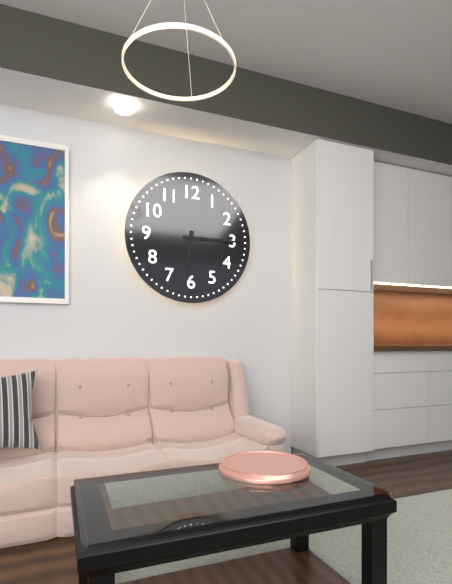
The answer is 6h15
